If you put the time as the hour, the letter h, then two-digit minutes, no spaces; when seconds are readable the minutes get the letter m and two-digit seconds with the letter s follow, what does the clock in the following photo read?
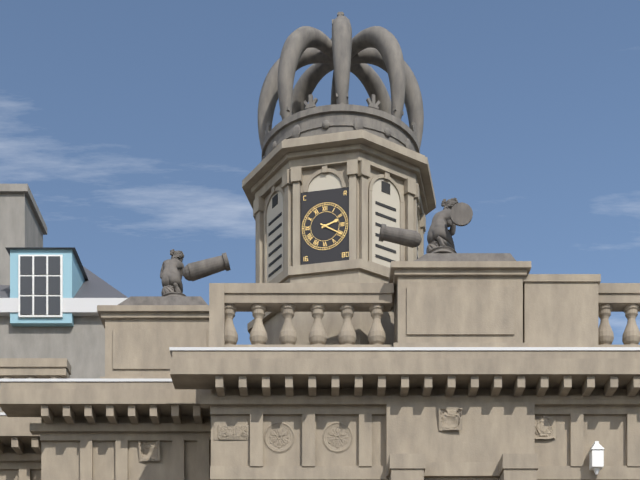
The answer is 2h20
